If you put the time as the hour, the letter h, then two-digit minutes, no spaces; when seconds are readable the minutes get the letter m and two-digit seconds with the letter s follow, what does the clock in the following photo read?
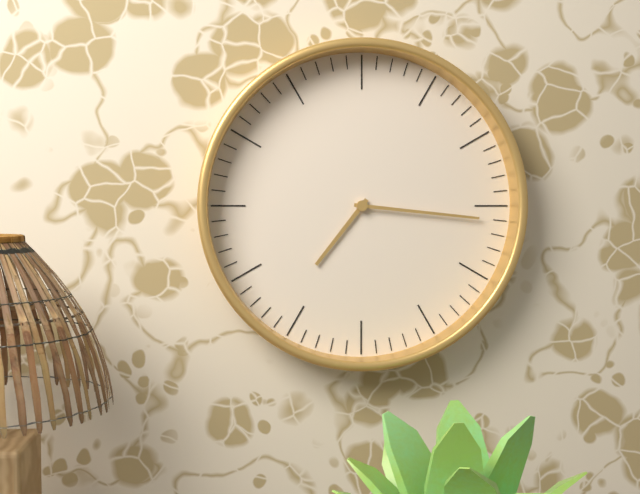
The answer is 7h16
